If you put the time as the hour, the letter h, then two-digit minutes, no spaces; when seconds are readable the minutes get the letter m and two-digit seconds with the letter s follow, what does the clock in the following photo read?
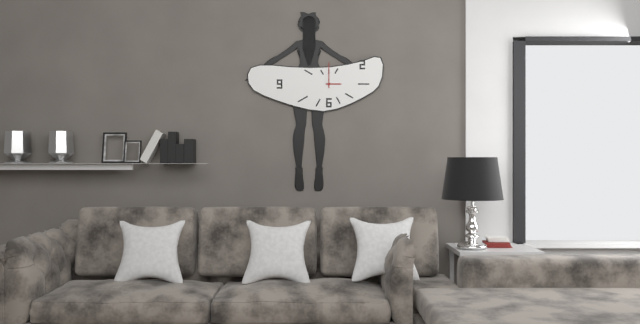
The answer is 3h00
